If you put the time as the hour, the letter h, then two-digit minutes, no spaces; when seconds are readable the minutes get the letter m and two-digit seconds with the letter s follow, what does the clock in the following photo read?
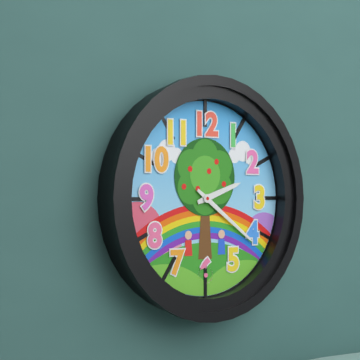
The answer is 2h21
